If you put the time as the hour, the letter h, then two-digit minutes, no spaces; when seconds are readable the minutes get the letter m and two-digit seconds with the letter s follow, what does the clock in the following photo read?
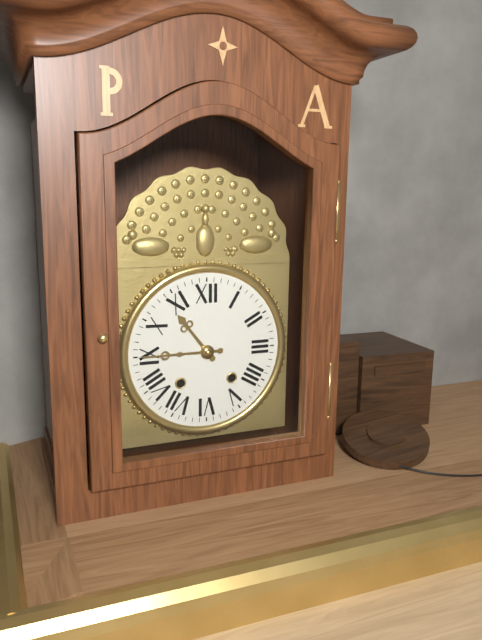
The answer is 10h45
